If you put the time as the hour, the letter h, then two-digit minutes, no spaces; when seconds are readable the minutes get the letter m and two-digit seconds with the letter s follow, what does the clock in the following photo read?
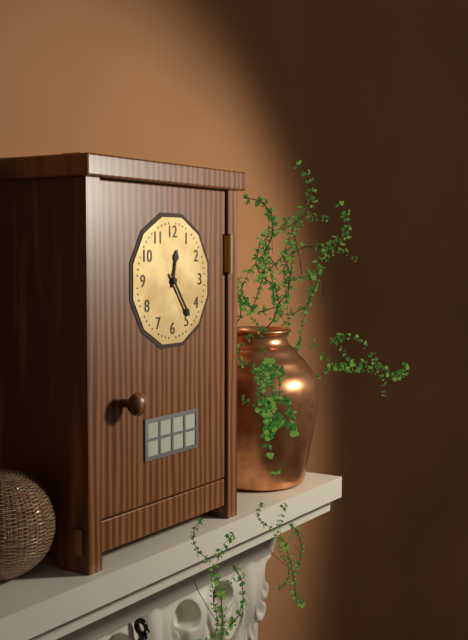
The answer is 12h24
